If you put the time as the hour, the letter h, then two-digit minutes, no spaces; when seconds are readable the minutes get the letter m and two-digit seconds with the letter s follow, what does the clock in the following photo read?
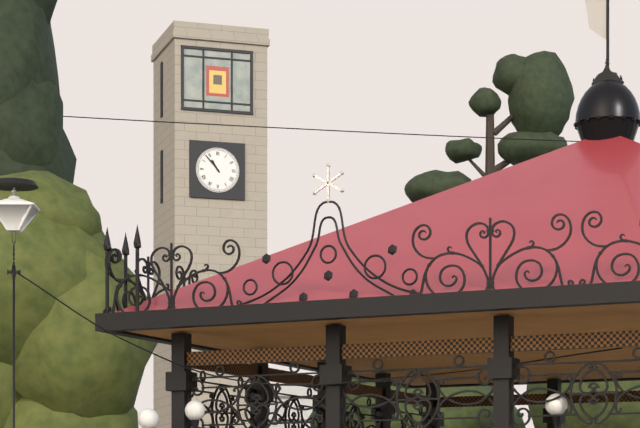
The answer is 10h53
